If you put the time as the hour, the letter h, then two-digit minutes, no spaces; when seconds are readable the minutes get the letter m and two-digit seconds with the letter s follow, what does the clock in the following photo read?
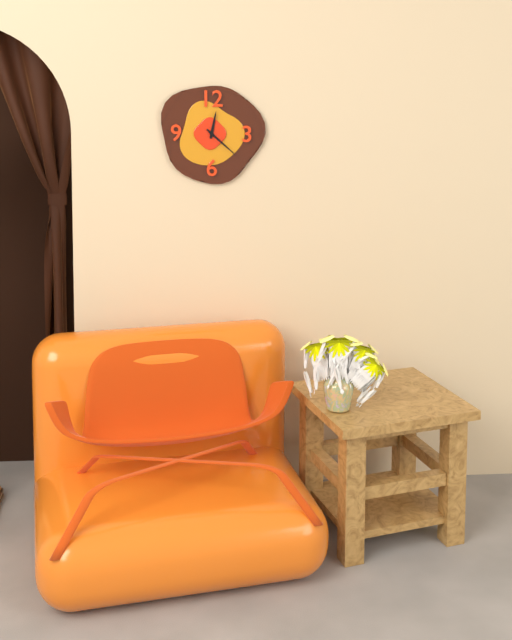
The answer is 12h22
